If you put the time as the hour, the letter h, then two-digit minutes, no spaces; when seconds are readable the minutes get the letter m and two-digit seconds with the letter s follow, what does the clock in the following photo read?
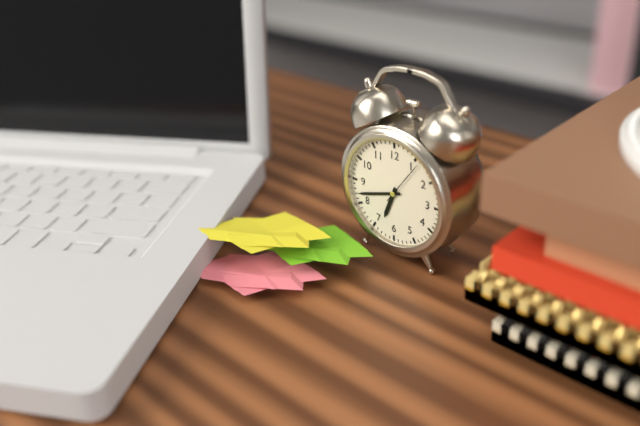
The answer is 6h42m06s
